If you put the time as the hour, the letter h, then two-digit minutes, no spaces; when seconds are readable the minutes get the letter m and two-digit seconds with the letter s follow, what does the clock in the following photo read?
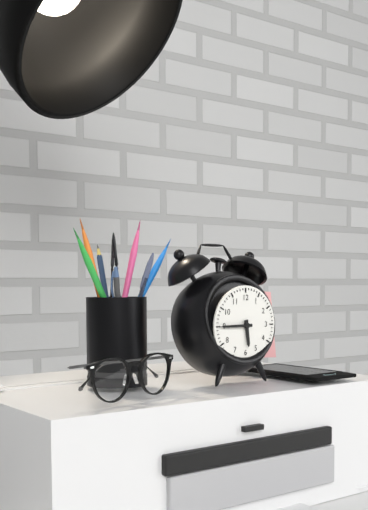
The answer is 5h45
